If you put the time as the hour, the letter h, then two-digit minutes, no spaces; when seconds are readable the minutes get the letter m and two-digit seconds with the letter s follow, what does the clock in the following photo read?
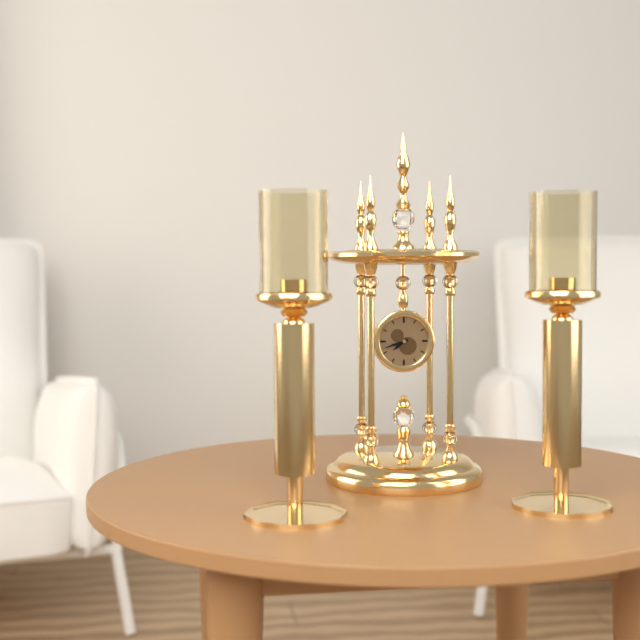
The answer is 7h42
